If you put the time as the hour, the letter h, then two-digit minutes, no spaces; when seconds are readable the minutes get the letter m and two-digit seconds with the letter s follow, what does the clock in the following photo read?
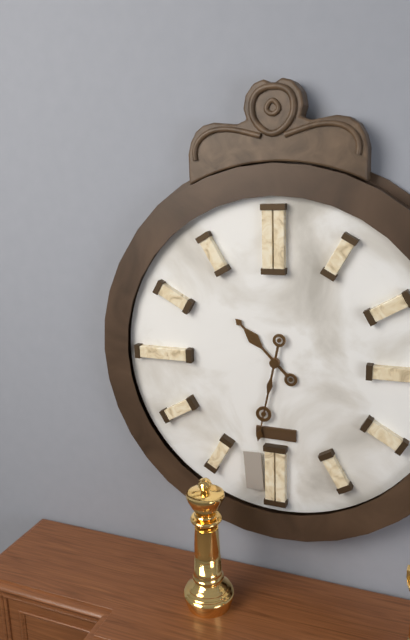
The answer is 10h32
